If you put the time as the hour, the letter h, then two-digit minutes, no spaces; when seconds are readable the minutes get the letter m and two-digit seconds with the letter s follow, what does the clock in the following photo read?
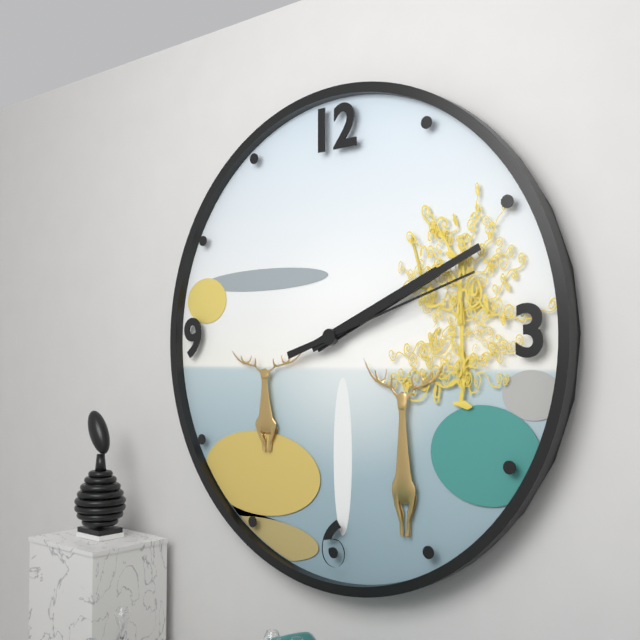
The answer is 2h11m12s
